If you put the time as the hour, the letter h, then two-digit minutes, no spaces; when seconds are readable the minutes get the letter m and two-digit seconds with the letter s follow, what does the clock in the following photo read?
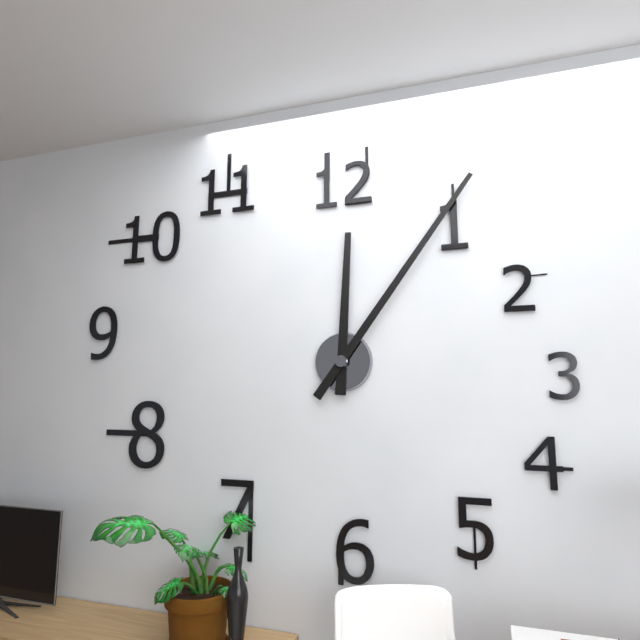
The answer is 12h06
